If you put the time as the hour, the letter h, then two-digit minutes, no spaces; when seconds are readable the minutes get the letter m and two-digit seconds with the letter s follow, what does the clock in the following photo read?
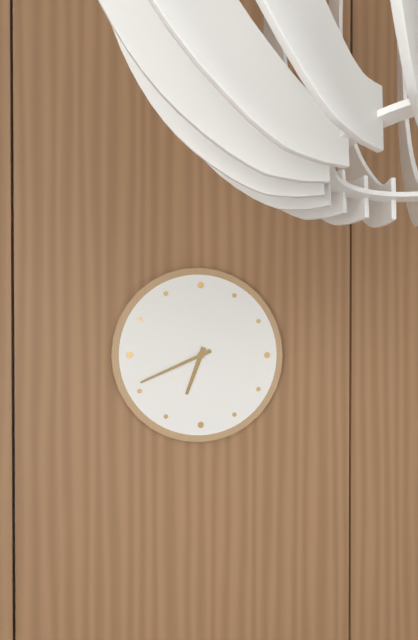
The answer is 6h41
